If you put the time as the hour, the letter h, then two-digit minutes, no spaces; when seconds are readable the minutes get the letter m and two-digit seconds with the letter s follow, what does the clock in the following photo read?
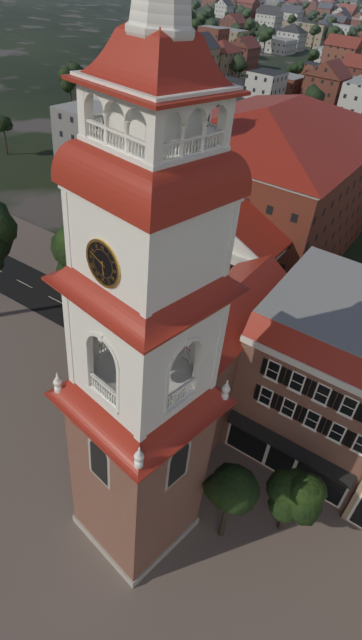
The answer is 5h48
